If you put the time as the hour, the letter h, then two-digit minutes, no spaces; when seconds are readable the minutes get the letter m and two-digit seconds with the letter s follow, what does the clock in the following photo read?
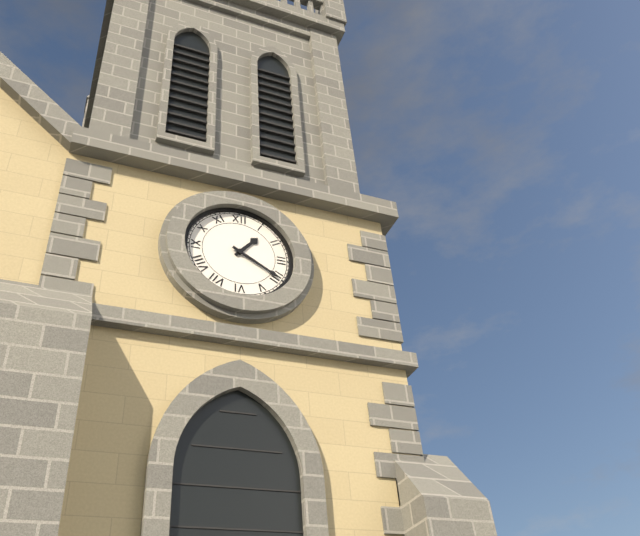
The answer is 1h20
